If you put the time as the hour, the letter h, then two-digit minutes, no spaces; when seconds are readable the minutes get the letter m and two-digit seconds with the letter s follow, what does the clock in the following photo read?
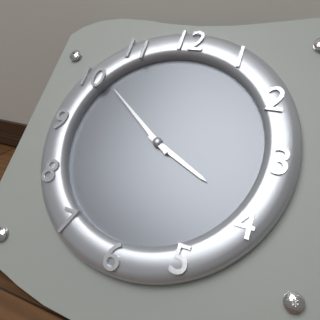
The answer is 3h51
